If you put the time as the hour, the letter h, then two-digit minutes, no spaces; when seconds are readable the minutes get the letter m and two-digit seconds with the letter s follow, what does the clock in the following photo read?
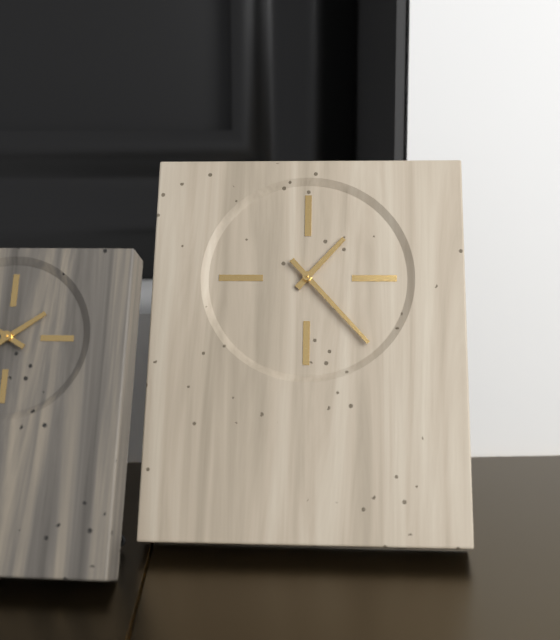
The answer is 1h23
